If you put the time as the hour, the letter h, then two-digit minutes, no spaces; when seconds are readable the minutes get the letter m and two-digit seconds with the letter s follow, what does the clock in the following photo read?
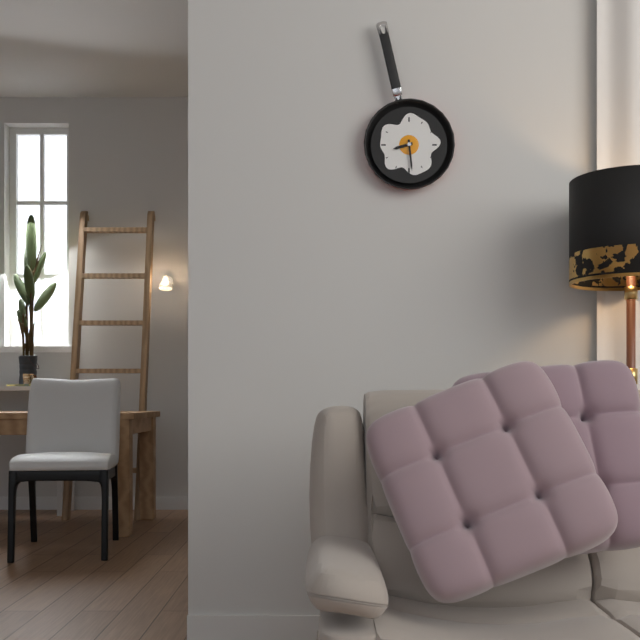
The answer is 8h29
